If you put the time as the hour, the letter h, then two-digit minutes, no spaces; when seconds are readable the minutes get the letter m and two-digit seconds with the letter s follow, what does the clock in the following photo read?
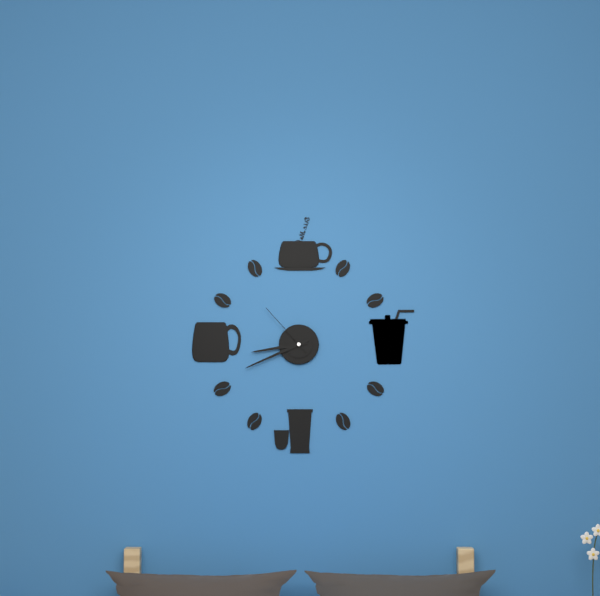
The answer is 8h41m53s
